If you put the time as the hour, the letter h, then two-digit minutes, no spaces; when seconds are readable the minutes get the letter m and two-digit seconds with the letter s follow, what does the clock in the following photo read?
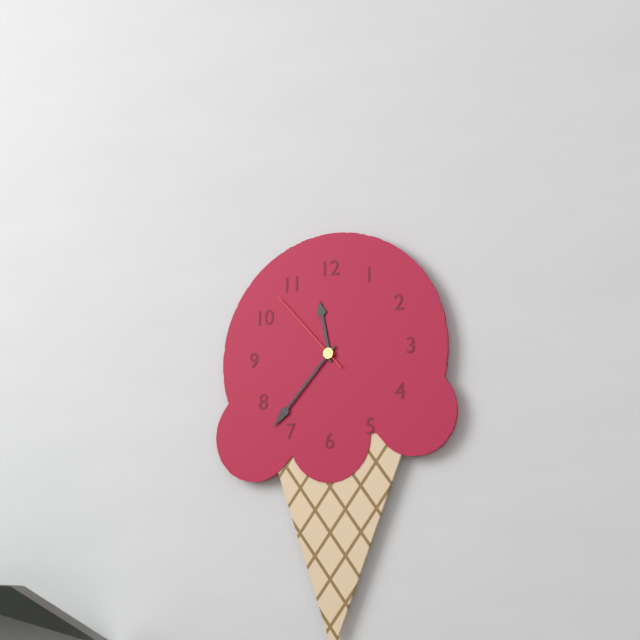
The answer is 11h37m53s
